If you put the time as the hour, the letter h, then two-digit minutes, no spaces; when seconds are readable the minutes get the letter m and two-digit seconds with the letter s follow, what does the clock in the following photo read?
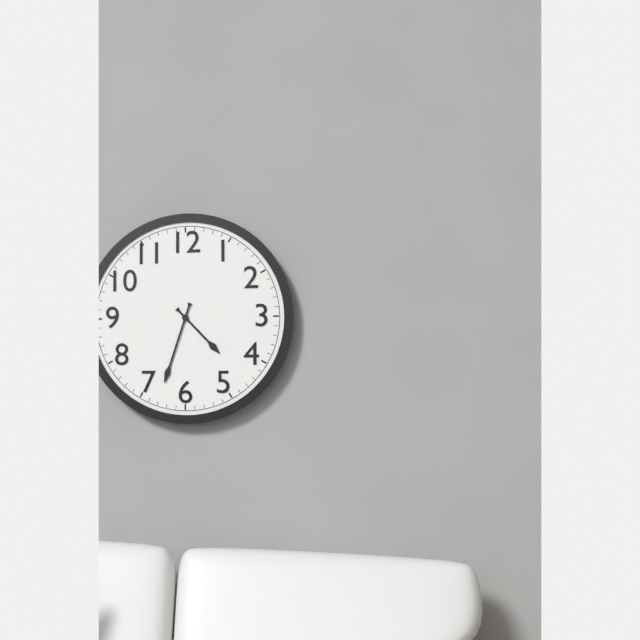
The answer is 4h33
